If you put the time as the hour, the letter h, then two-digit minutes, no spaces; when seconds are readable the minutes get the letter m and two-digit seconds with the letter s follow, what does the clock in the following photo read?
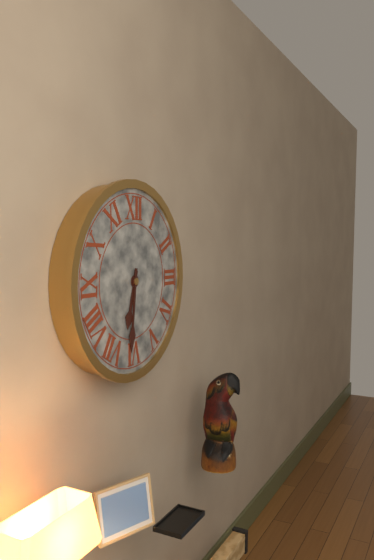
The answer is 6h31
